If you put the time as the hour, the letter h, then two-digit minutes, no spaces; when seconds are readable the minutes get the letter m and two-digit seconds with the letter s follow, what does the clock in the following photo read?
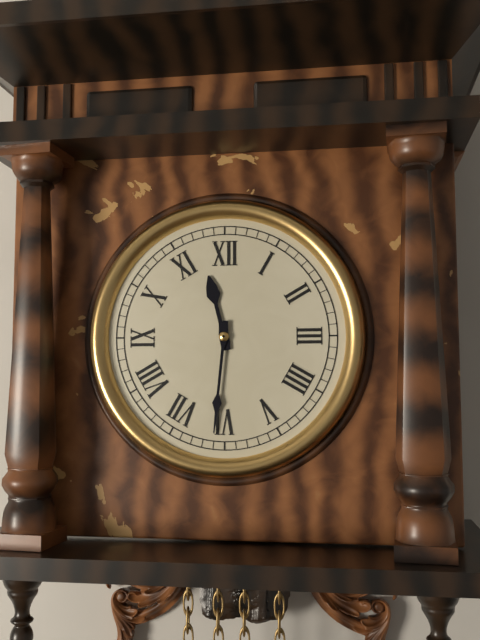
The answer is 11h31
